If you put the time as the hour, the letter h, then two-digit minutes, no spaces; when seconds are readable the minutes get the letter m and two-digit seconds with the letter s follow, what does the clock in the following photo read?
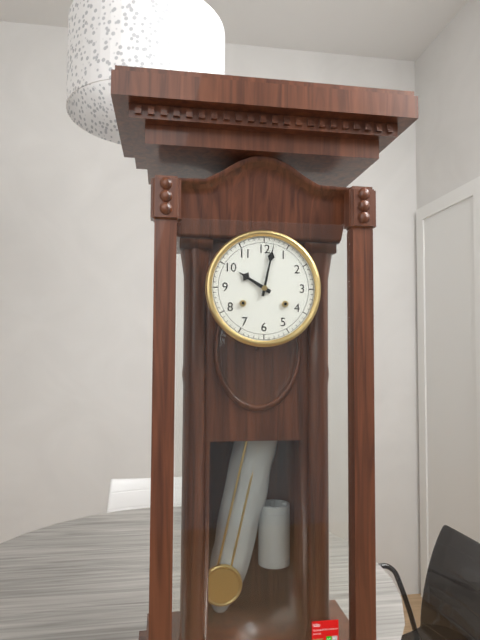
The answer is 10h02
